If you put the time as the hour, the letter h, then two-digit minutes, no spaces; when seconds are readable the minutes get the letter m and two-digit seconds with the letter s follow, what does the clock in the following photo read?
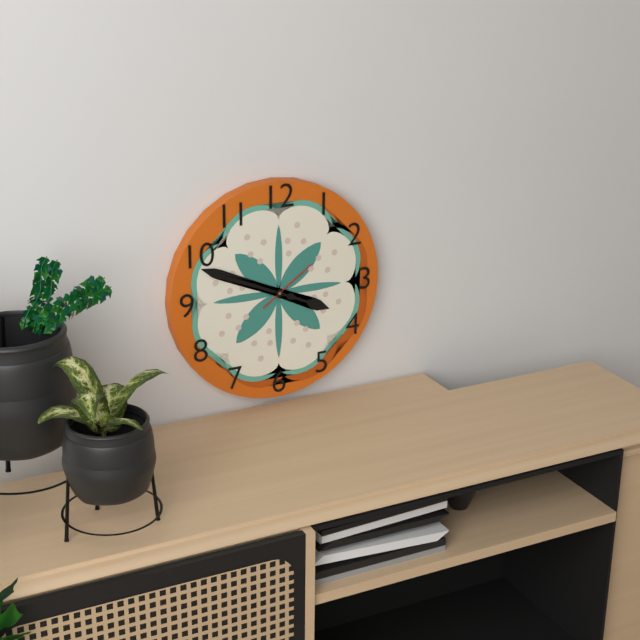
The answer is 3h49m09s
